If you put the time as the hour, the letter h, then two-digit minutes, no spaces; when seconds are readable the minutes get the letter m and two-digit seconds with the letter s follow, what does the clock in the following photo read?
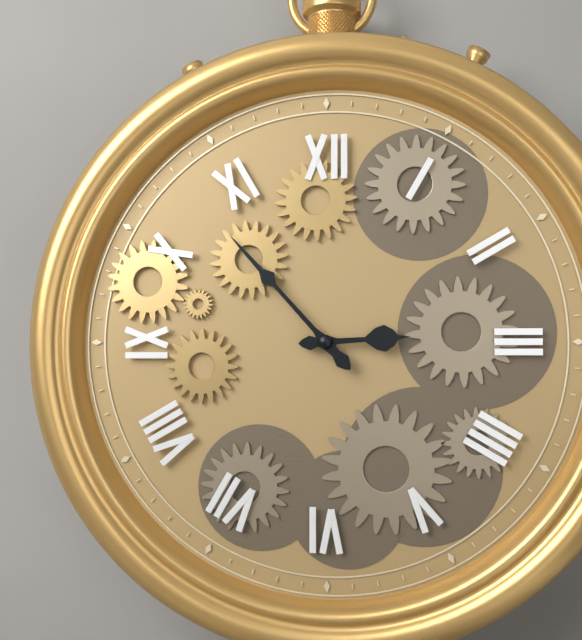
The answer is 2h53
